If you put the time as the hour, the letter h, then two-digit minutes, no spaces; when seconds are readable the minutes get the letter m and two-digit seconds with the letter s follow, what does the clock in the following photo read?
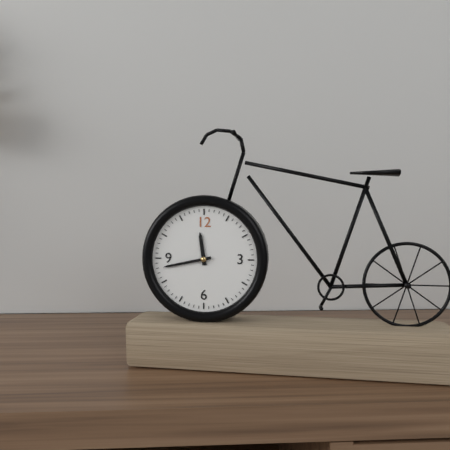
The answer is 11h43
